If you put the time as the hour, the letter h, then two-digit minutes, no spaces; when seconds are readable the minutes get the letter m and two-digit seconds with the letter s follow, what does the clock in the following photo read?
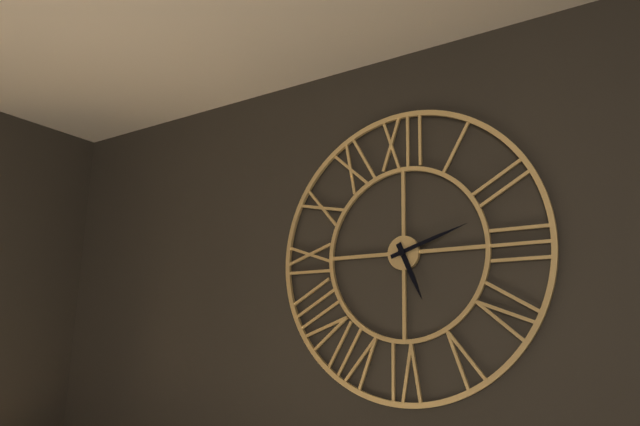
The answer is 5h12
